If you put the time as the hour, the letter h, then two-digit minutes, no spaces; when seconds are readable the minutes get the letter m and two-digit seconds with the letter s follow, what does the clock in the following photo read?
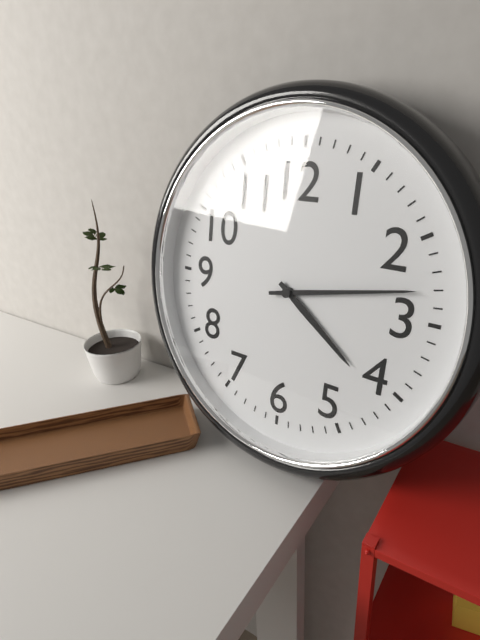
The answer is 4h13
